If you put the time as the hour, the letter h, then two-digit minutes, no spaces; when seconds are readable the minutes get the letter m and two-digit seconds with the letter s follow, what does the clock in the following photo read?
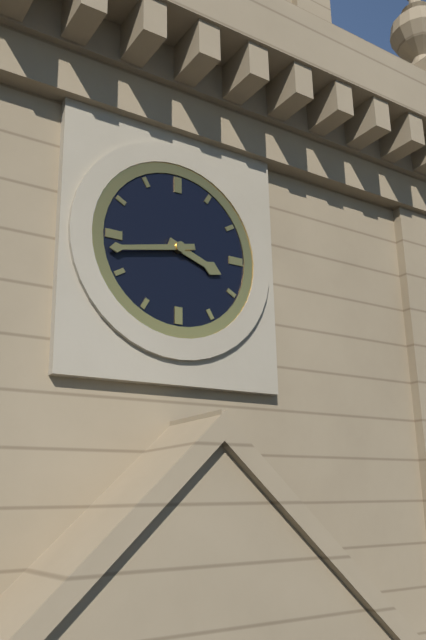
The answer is 3h43
